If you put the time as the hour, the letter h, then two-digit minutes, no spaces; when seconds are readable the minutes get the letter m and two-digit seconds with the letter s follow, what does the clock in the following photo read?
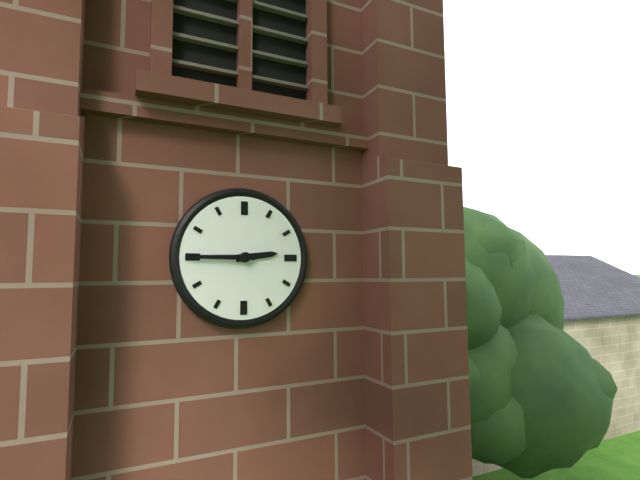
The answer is 2h45
